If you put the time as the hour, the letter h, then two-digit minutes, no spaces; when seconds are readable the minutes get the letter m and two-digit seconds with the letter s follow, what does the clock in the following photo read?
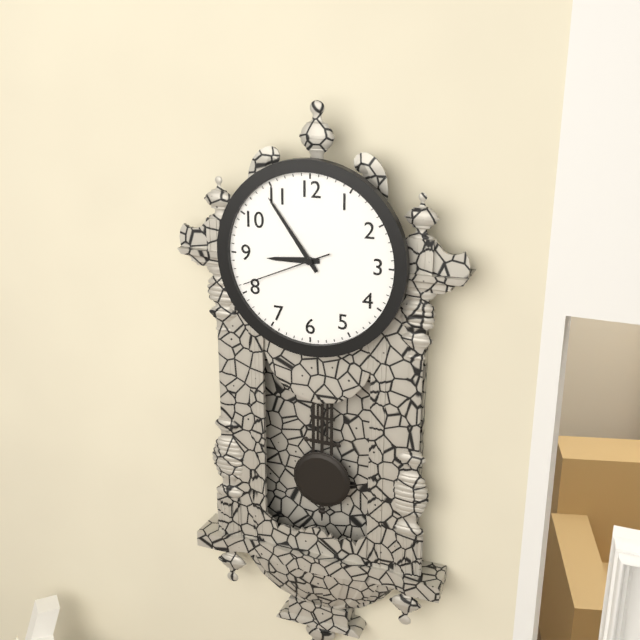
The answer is 8h54m41s
